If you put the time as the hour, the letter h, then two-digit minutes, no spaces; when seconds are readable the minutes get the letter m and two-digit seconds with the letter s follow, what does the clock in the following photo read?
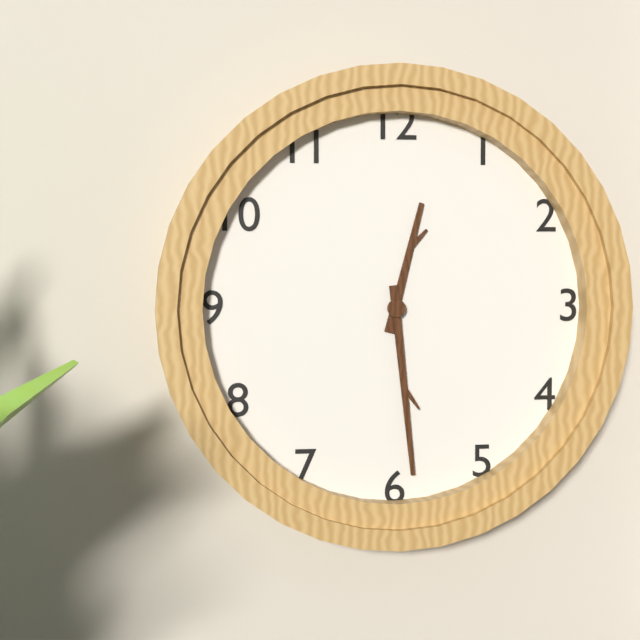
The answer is 12h29
